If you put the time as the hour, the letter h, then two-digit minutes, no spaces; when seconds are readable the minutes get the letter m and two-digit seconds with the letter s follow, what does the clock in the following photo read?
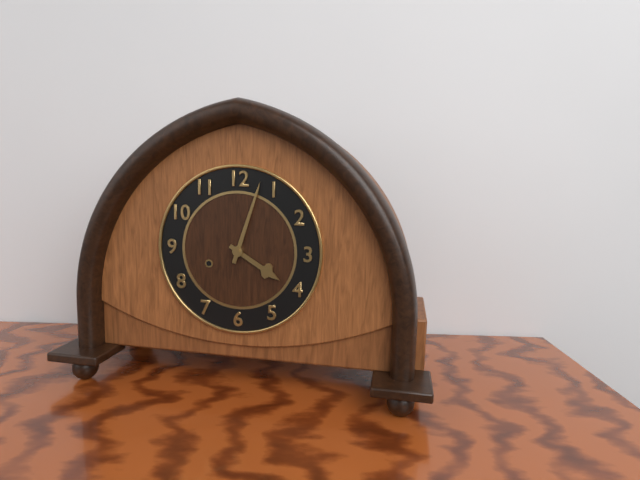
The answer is 4h03
